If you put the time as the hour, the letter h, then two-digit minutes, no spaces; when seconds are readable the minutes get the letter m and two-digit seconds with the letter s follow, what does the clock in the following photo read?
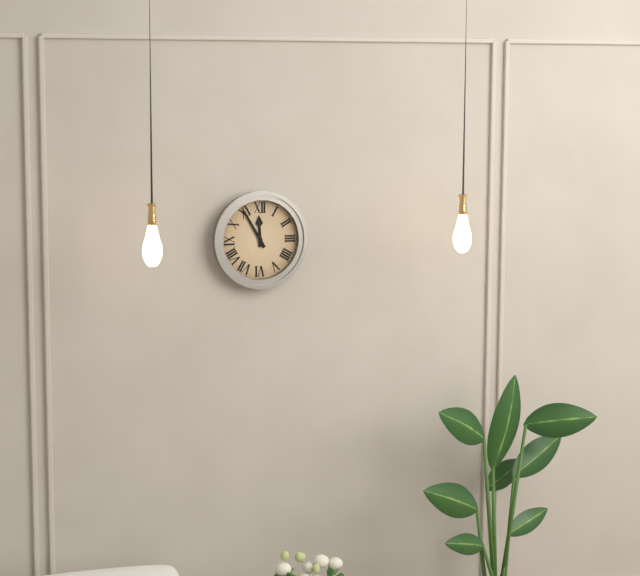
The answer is 11h55
